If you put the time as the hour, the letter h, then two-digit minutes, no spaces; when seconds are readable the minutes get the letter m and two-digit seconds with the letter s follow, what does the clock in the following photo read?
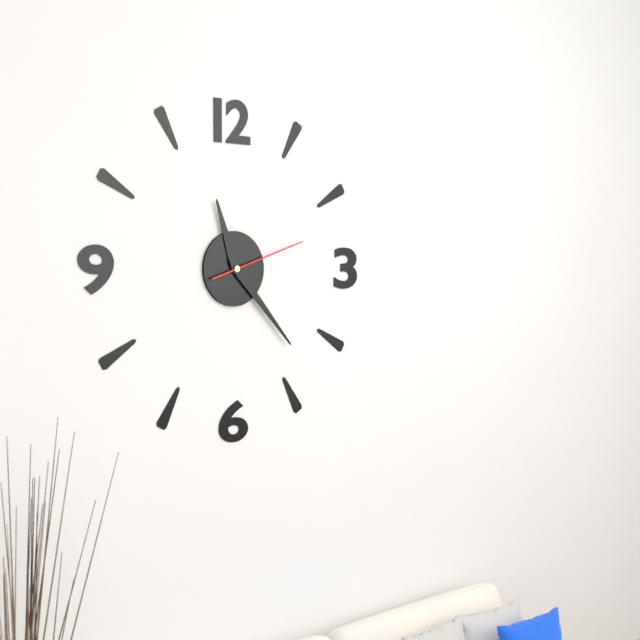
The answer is 11h23m12s
